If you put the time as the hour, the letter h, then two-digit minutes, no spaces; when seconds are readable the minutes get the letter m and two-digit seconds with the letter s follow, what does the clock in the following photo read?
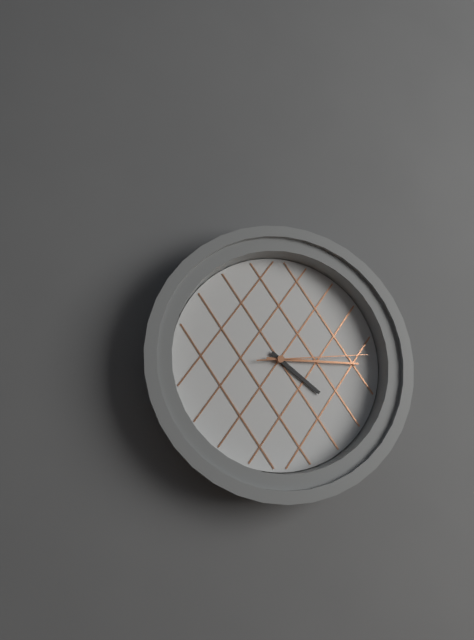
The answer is 4h15m14s
